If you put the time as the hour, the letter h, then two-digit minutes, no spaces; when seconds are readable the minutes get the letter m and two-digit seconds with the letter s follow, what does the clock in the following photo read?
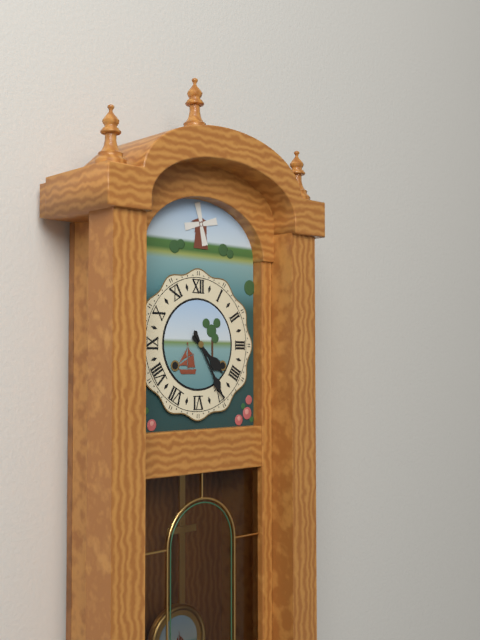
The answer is 4h25
